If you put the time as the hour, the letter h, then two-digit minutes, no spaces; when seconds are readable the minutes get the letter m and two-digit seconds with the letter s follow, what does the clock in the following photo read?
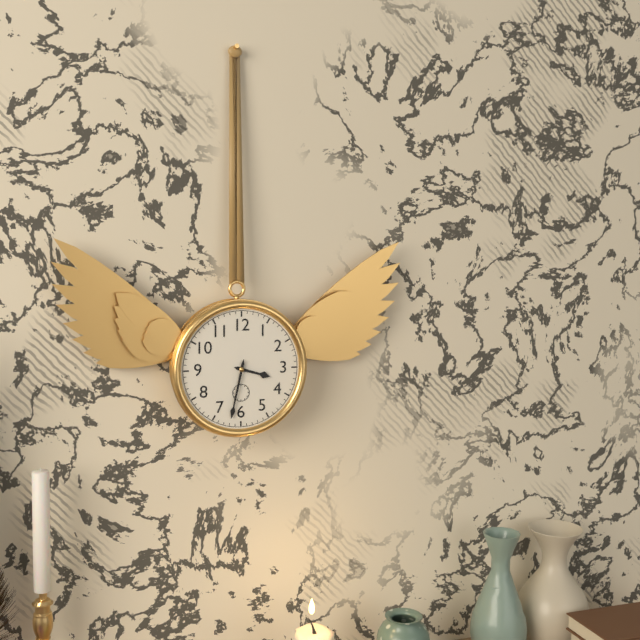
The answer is 3h32
